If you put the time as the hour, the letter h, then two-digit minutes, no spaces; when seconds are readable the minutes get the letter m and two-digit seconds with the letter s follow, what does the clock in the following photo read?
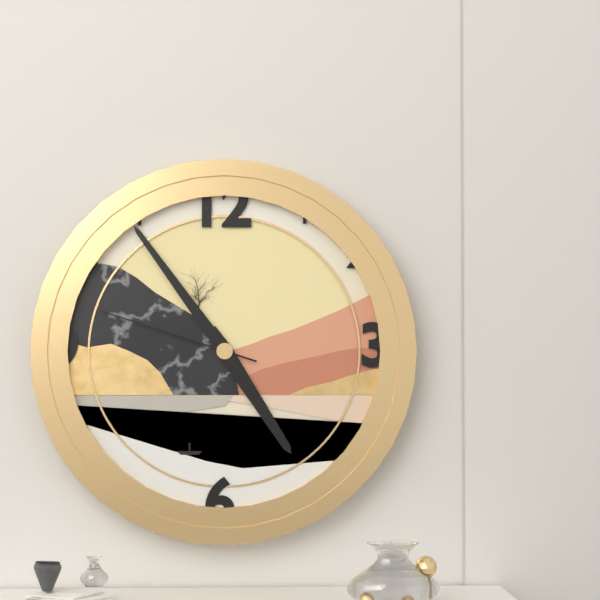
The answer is 4h54m48s
